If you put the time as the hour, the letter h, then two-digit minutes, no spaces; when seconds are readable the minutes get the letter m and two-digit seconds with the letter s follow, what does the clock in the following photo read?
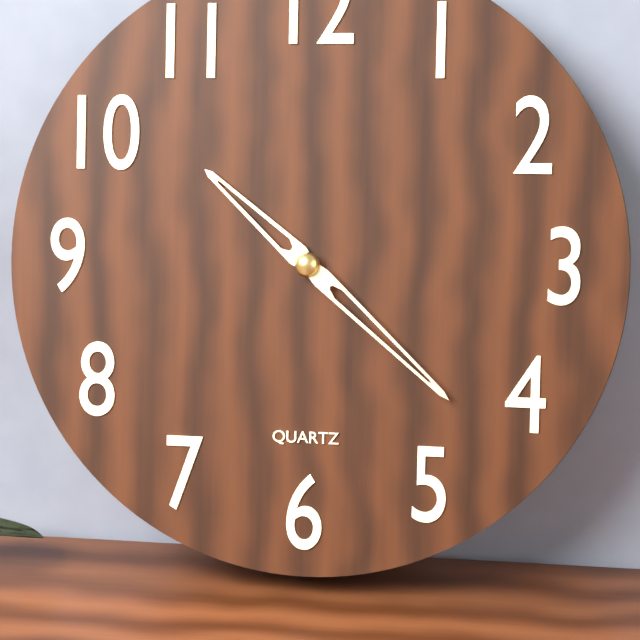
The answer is 10h22
